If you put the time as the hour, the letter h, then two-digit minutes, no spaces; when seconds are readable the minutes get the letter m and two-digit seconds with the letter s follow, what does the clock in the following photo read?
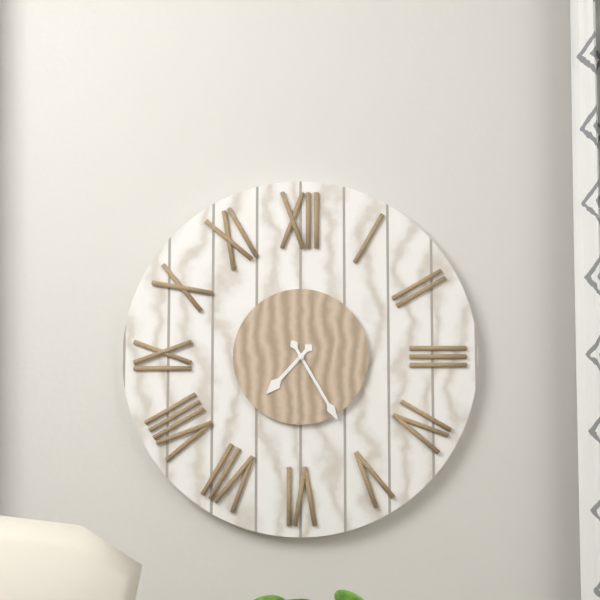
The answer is 7h25
